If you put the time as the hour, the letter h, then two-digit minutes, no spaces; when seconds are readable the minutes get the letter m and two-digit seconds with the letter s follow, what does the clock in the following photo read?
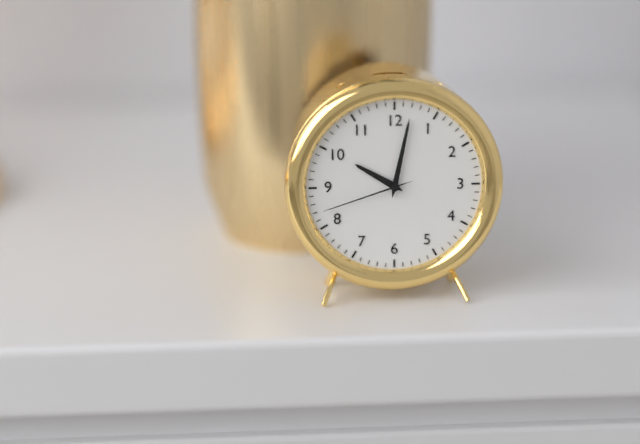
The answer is 10h02m42s
